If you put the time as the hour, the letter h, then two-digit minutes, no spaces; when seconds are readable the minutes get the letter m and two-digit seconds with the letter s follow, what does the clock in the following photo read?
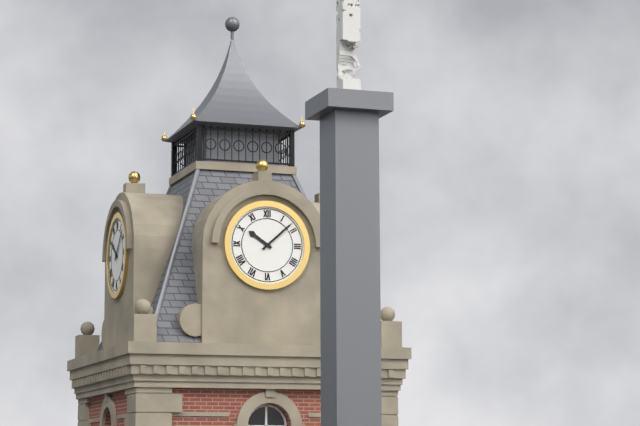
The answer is 10h08
